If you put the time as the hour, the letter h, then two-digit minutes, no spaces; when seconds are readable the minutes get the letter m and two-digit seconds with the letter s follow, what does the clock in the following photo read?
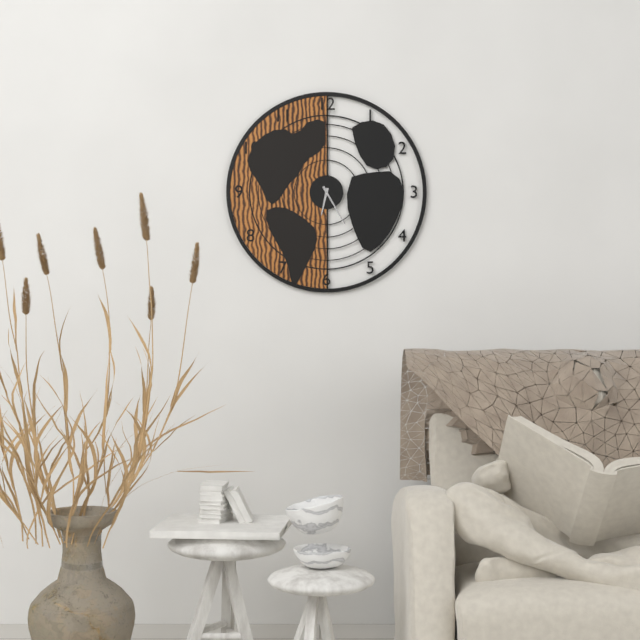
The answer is 6h25
